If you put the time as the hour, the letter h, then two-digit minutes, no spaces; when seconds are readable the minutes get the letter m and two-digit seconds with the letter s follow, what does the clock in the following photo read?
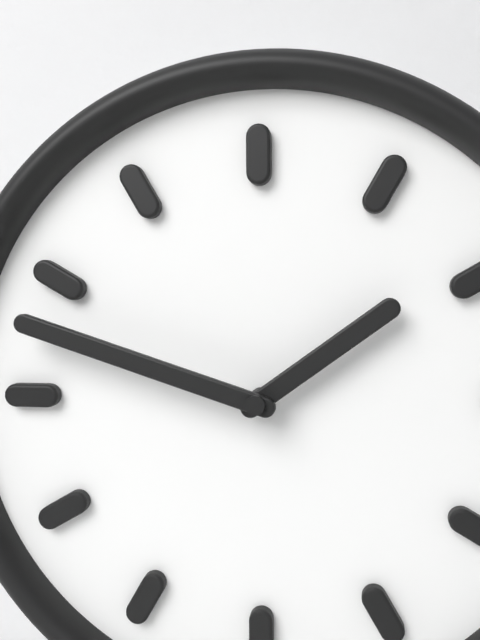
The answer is 1h48
